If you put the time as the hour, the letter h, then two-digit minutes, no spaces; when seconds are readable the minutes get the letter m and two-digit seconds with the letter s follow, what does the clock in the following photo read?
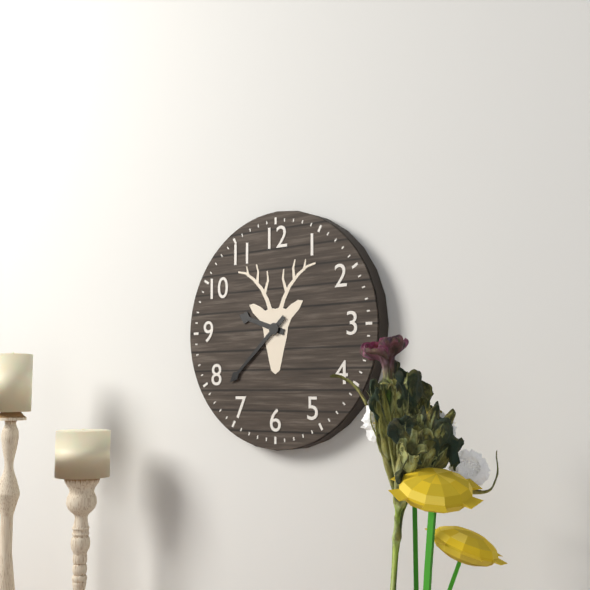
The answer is 9h38
